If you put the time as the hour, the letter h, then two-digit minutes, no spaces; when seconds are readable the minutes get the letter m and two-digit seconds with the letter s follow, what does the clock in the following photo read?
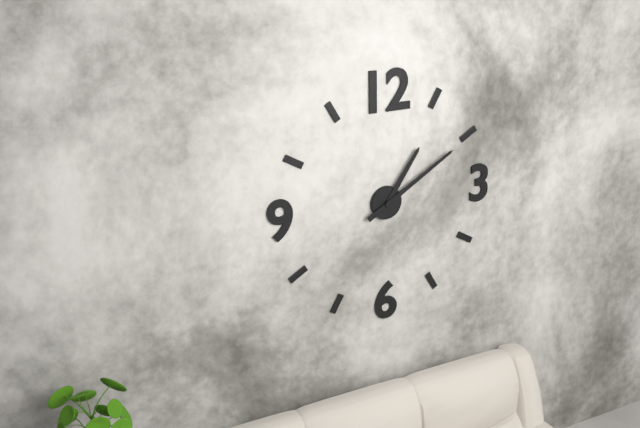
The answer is 1h10
